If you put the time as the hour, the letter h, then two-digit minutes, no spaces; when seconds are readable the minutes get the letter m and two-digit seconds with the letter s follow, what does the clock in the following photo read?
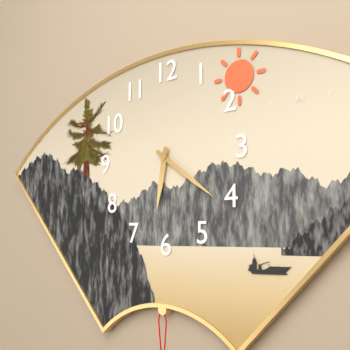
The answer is 6h21
